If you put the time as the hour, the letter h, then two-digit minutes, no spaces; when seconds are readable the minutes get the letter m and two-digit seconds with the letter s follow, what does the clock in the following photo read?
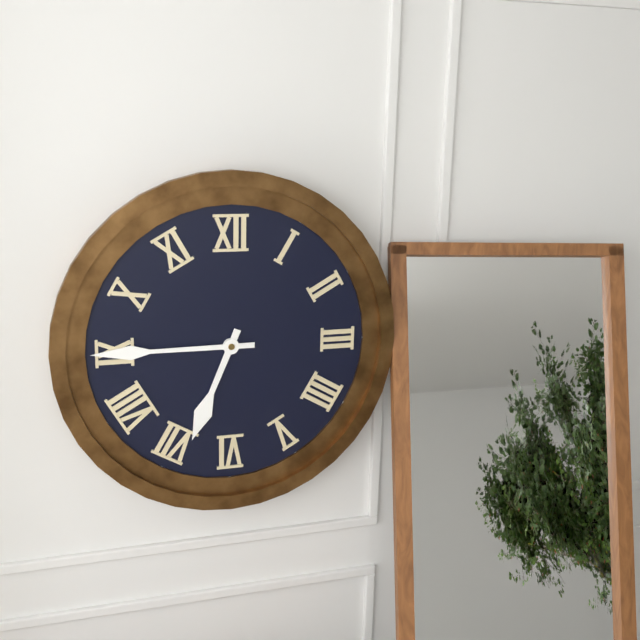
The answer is 6h45
